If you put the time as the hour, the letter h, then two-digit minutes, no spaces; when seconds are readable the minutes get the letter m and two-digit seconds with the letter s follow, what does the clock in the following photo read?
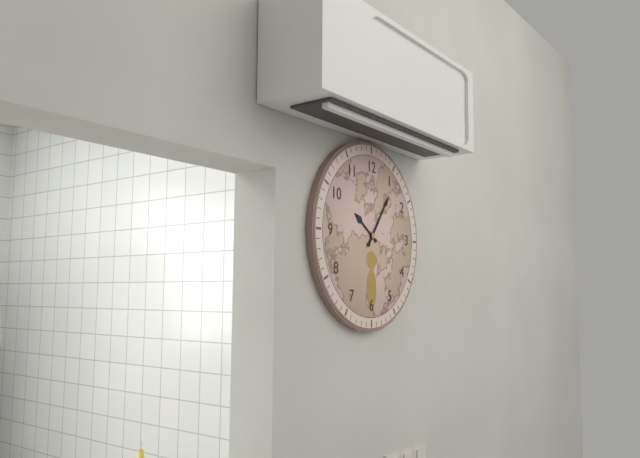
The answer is 10h06
